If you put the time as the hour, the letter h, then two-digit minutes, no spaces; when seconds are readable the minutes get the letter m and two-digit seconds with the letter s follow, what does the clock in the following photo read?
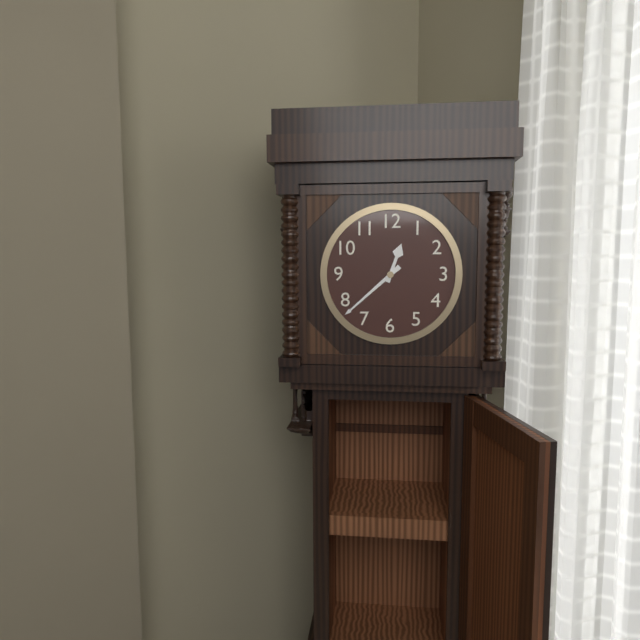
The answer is 12h38
